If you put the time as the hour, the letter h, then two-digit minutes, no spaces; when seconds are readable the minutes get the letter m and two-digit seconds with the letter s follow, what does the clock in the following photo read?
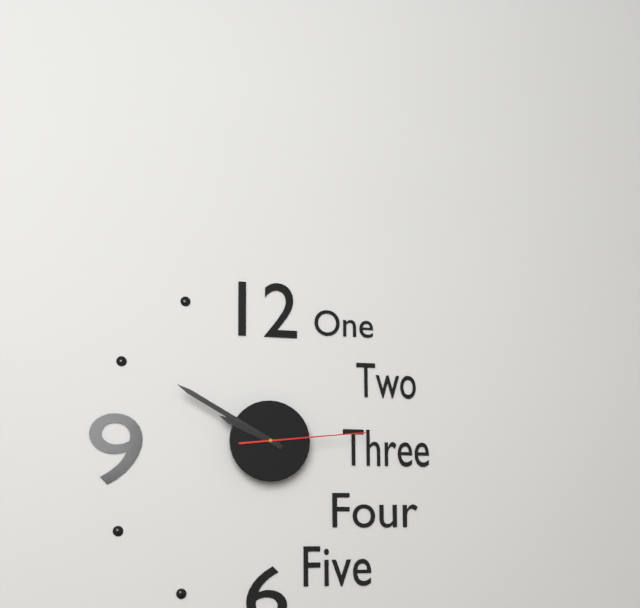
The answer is 9h50m14s
